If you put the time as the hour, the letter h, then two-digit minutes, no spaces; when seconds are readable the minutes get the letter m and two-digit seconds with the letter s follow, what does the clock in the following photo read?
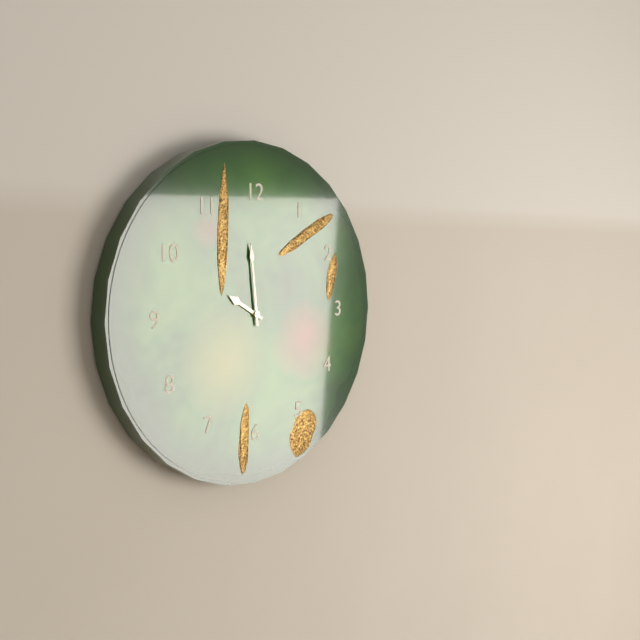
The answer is 9h59
